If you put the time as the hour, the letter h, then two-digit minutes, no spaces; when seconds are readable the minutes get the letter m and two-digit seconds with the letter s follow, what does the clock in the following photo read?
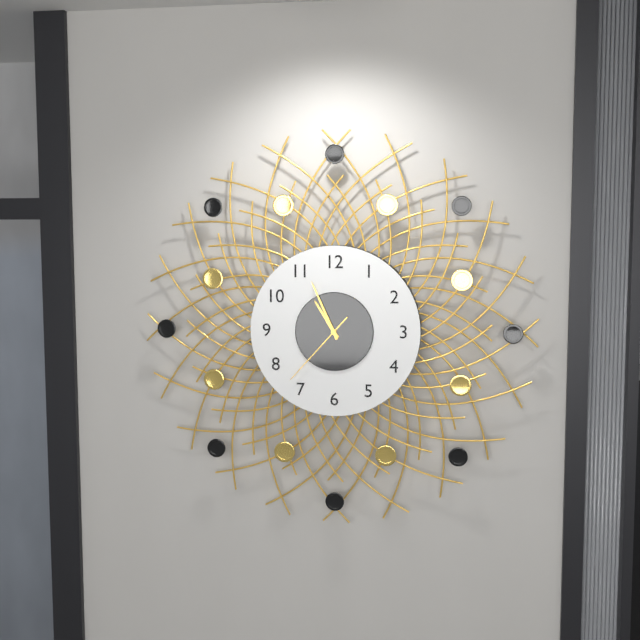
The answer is 10h56m37s
